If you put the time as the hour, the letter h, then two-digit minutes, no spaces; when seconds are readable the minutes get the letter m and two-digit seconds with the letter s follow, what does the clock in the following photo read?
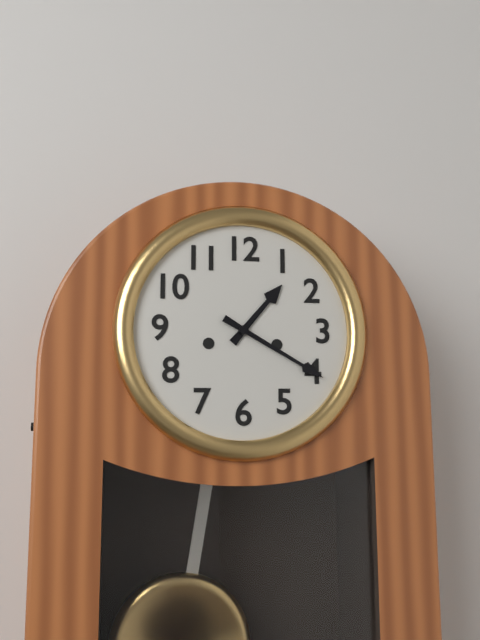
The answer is 1h20
